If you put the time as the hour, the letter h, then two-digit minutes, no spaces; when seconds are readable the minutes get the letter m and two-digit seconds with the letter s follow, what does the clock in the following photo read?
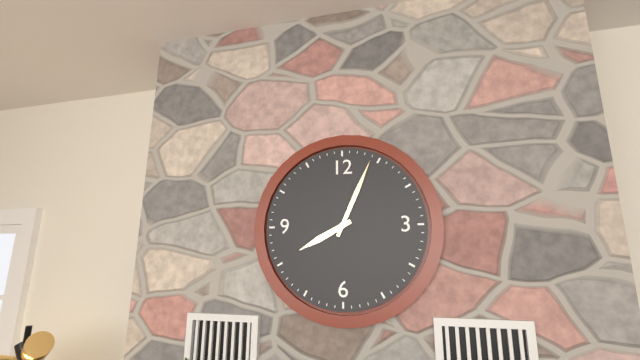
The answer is 8h04
